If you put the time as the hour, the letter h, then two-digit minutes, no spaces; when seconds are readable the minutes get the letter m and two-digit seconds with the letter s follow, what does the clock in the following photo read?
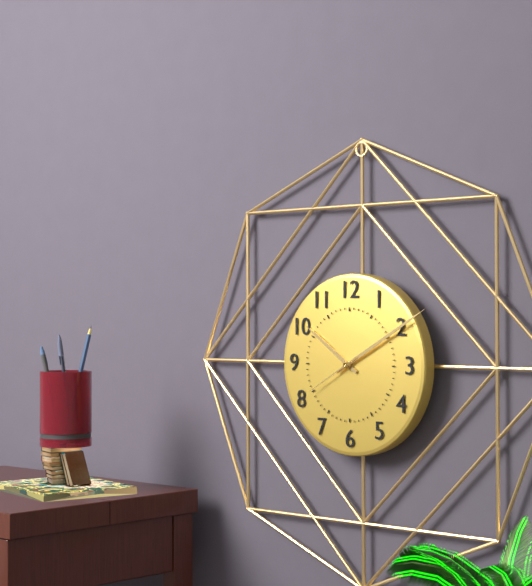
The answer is 10h10m40s
